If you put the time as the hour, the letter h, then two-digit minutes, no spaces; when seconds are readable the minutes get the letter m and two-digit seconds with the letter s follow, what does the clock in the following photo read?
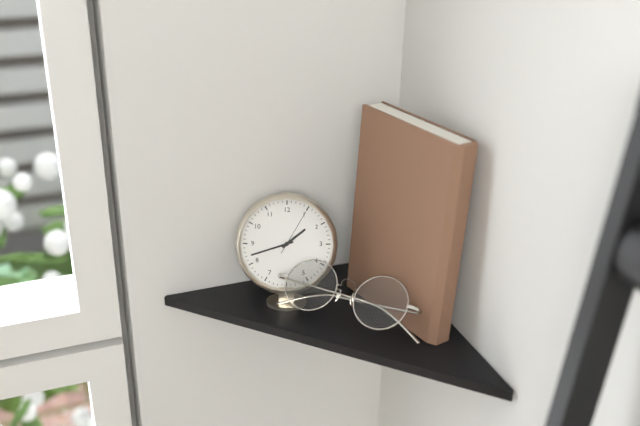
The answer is 1h42
